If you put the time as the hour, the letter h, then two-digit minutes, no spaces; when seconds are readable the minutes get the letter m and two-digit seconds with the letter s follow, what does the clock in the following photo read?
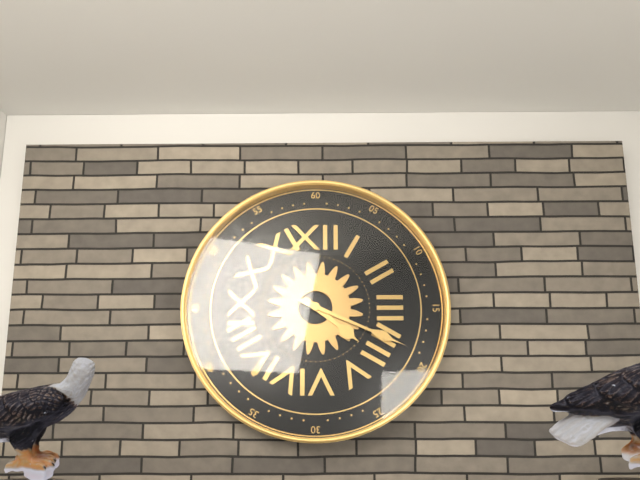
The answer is 4h19
